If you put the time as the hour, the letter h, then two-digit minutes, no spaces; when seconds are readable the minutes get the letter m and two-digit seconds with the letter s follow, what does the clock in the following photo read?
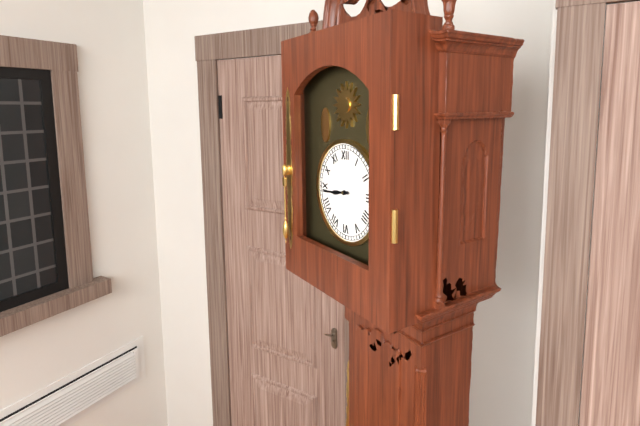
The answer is 8h44
